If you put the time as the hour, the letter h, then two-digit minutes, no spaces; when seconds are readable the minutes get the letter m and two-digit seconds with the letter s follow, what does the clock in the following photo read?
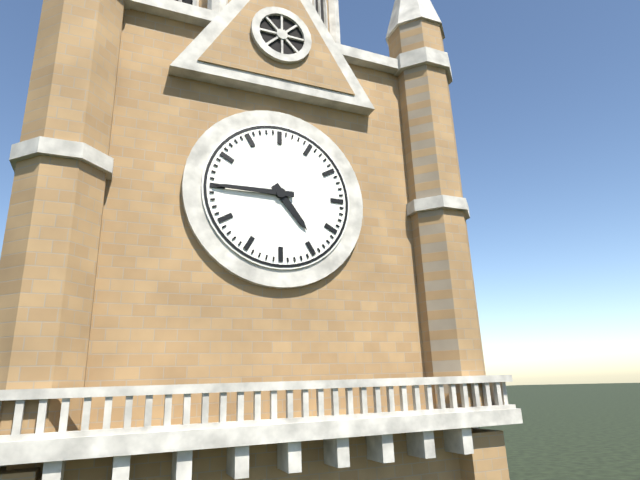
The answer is 4h45
